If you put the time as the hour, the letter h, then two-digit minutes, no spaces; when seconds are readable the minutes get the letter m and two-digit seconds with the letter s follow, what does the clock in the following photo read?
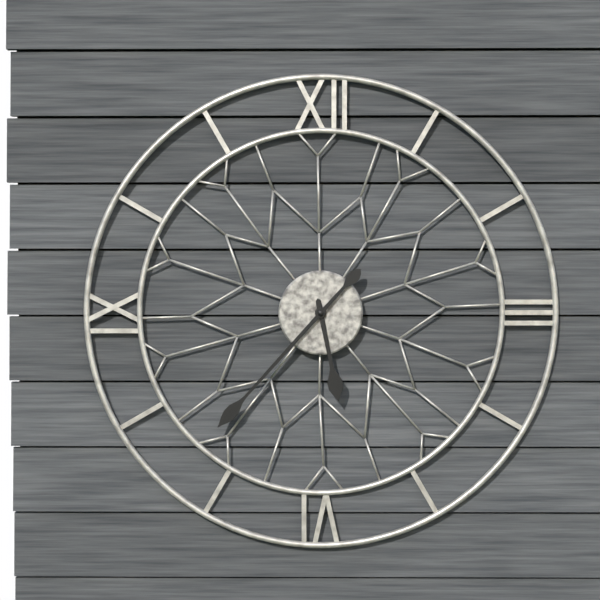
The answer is 5h37
